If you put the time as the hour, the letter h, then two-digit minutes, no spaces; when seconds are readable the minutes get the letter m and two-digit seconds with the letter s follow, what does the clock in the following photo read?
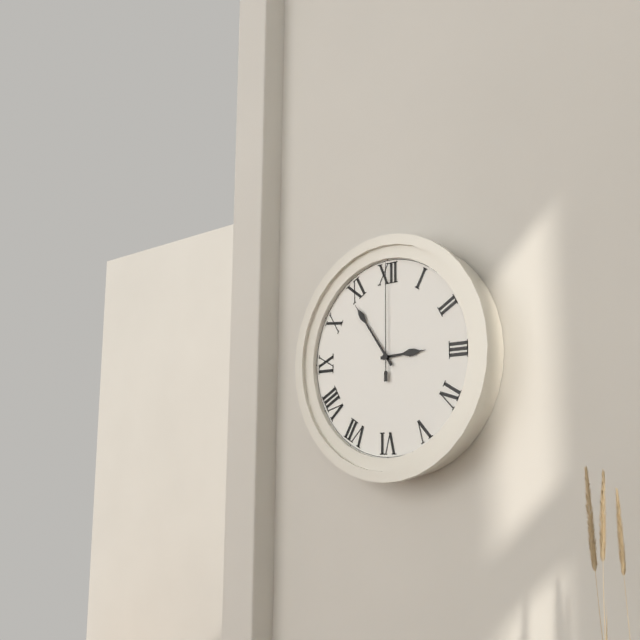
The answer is 2h54m00s
